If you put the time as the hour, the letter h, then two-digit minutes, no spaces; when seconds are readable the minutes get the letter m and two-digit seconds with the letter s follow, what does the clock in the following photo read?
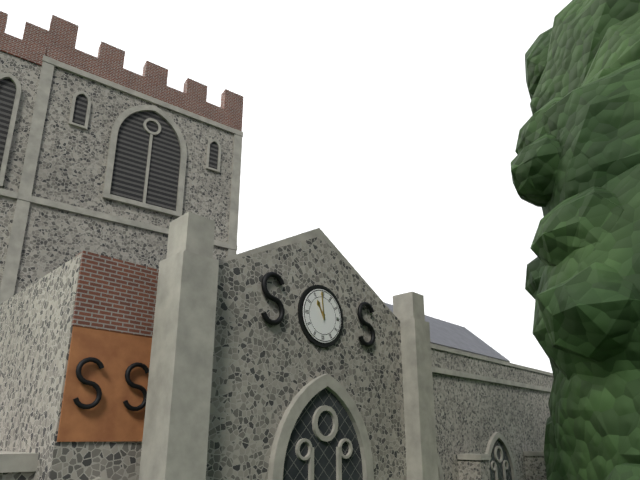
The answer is 10h59
